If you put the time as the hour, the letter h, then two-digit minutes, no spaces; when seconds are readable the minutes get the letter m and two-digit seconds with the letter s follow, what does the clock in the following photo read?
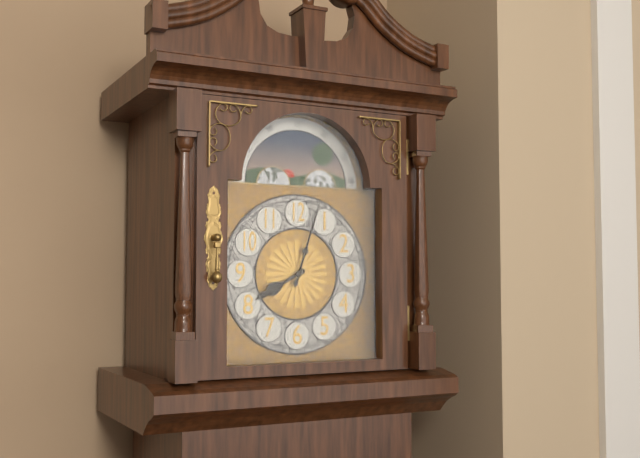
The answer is 8h03
